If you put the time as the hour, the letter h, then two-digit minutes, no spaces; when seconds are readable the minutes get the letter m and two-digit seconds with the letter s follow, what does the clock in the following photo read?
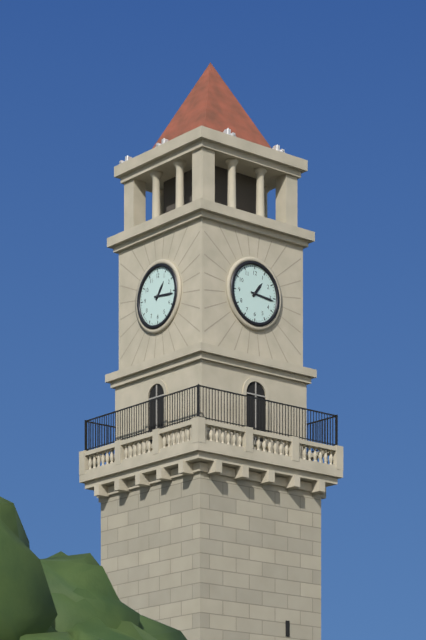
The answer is 1h16
